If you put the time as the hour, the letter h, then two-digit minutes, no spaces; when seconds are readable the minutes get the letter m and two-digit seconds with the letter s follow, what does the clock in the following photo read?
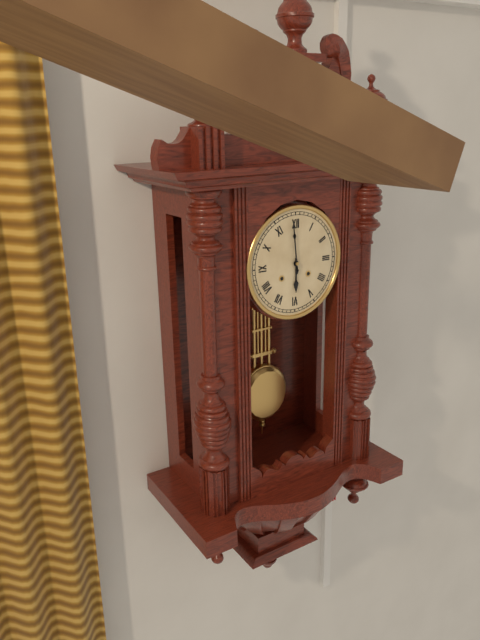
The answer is 5h59
